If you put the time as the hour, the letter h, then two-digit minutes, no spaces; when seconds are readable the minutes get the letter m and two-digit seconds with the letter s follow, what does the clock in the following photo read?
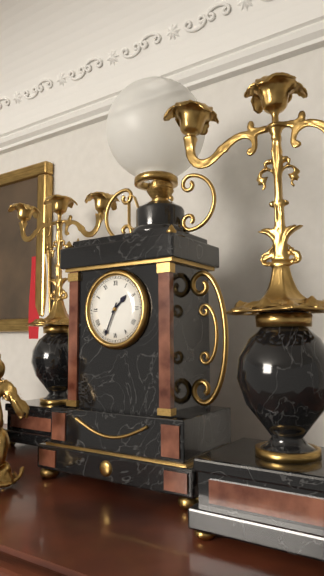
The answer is 1h34
